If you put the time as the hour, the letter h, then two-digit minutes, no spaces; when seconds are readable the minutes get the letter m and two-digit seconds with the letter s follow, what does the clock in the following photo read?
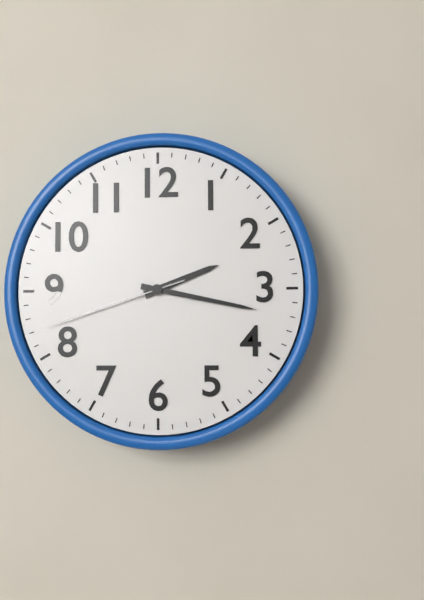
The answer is 2h17m42s
